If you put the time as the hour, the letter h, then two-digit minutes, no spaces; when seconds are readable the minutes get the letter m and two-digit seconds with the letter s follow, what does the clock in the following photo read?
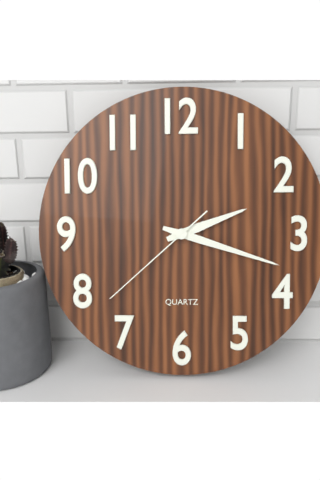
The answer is 2h18m38s
